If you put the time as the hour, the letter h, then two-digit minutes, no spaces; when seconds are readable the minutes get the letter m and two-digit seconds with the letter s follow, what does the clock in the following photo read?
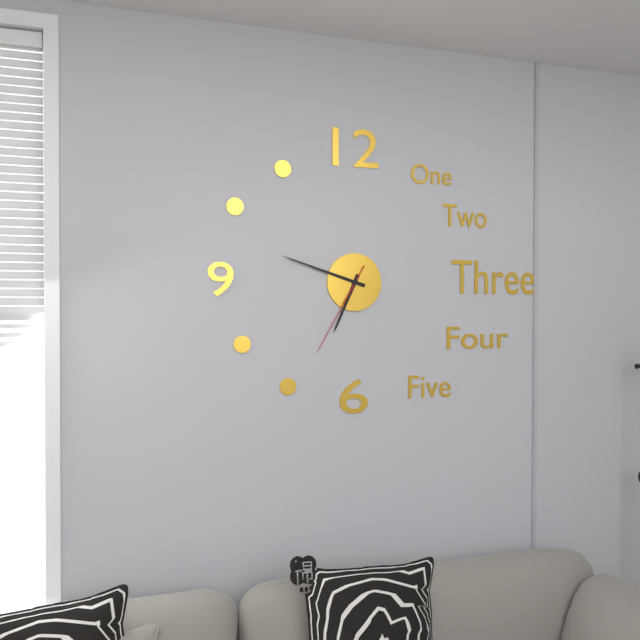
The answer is 6h48m35s
